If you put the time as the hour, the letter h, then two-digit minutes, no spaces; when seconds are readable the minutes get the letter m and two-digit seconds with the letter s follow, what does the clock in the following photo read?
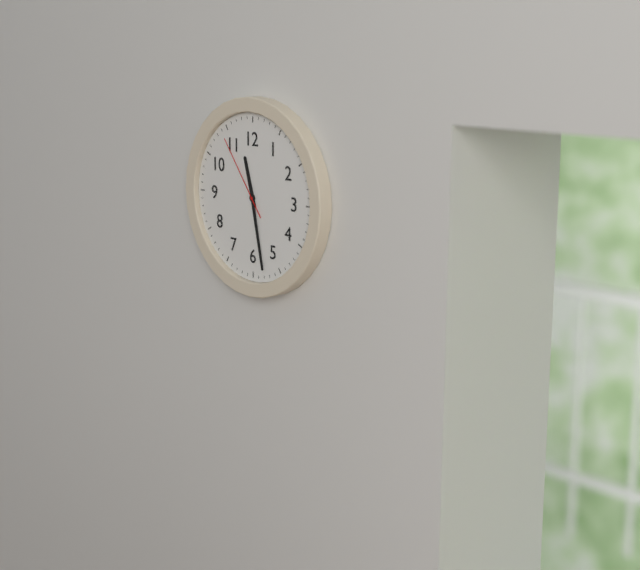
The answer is 11h28m54s
